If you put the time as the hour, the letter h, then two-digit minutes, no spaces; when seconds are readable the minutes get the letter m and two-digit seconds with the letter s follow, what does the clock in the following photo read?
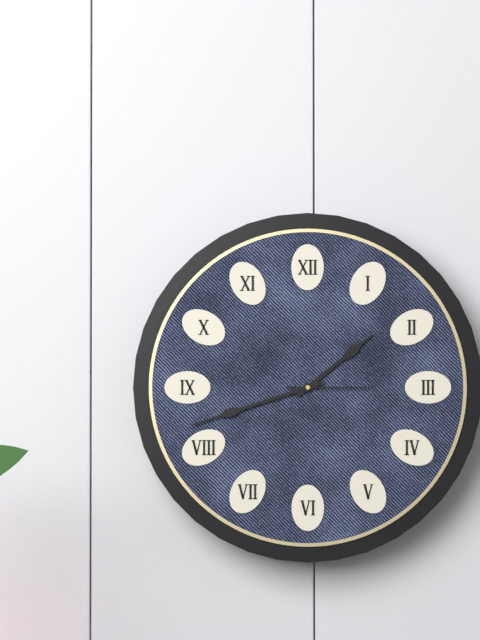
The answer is 1h42m15s
